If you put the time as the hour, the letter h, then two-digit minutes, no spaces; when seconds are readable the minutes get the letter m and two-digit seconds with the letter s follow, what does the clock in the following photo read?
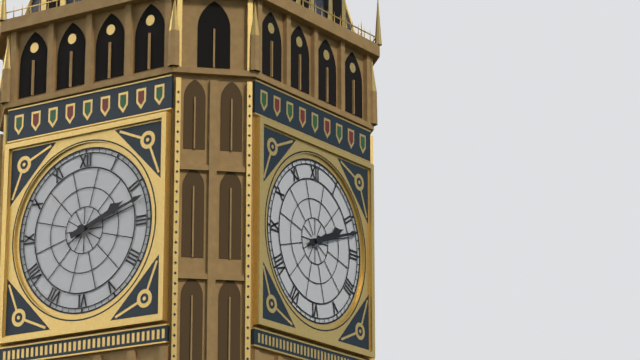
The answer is 2h12
